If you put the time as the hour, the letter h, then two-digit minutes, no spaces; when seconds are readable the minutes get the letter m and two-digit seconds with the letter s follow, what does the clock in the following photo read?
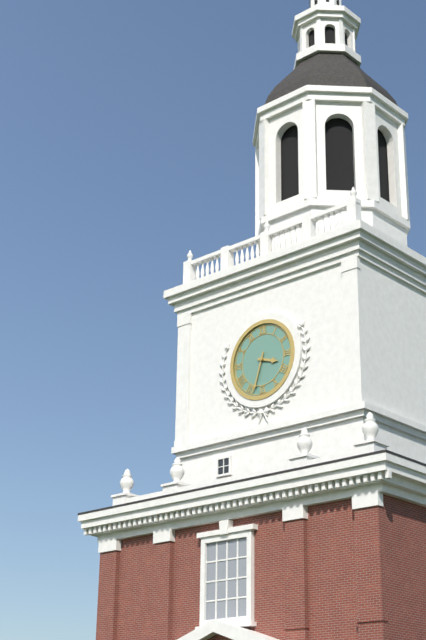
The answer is 3h33
